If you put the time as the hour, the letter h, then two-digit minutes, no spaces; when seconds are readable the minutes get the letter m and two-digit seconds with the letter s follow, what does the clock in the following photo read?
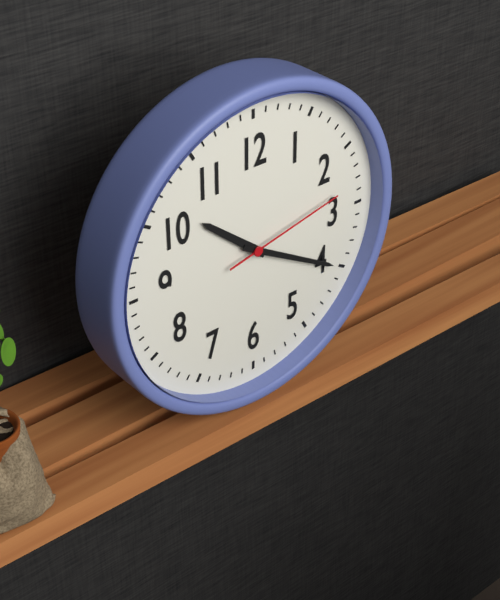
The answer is 10h20m13s
